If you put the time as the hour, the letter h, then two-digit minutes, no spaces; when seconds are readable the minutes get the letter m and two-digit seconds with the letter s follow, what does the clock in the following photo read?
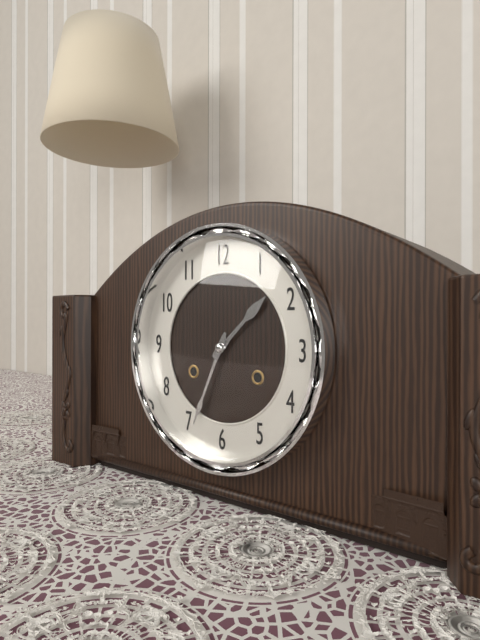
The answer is 1h34
